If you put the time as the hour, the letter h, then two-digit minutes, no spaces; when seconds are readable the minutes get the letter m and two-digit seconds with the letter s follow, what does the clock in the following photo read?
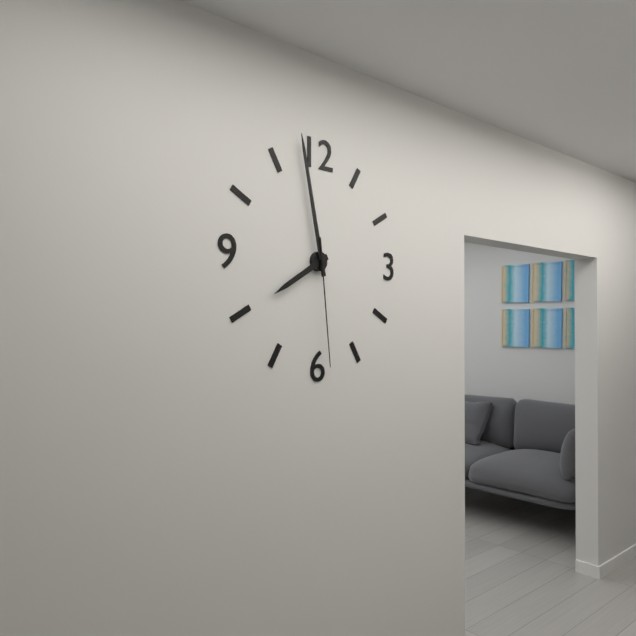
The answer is 7h58m29s
